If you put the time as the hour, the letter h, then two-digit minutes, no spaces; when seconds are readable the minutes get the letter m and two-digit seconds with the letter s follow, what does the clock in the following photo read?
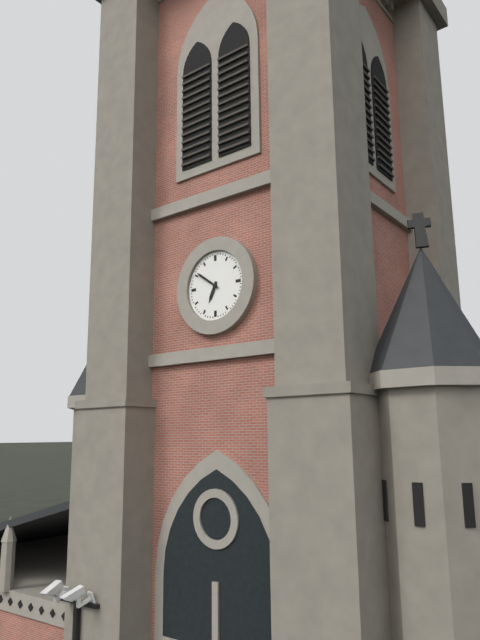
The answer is 6h51
